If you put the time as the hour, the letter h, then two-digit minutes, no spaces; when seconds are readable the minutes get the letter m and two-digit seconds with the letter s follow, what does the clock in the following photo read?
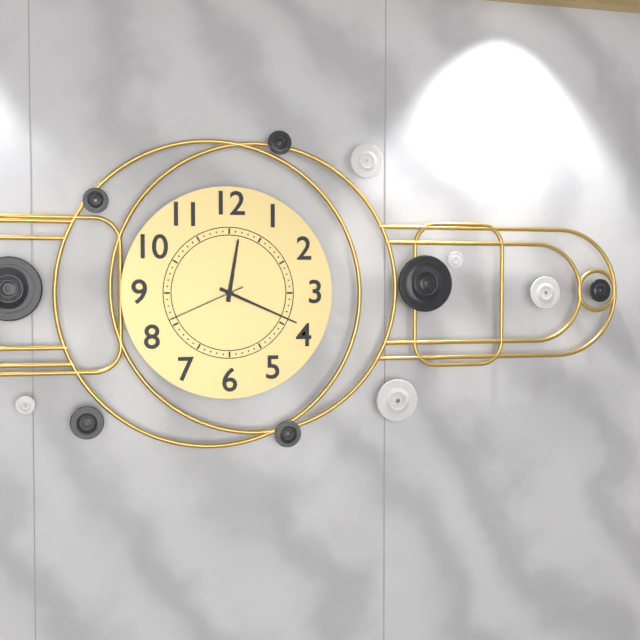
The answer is 12h19m41s
